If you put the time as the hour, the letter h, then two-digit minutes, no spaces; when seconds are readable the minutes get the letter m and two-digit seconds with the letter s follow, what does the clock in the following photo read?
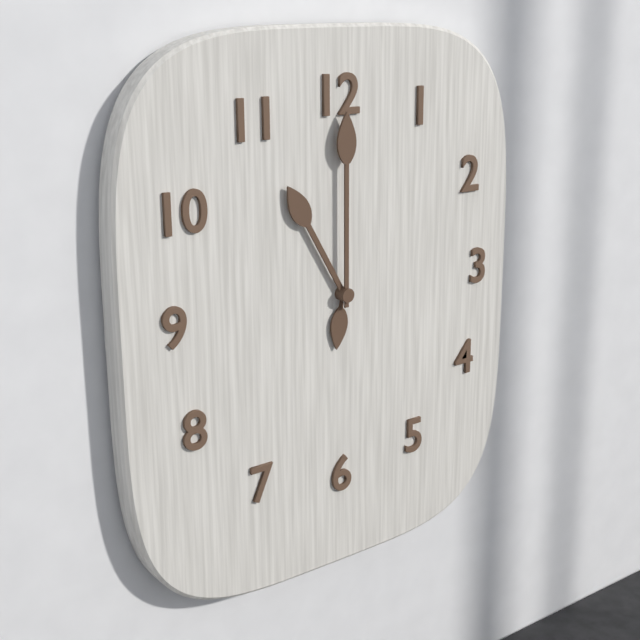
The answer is 11h00
